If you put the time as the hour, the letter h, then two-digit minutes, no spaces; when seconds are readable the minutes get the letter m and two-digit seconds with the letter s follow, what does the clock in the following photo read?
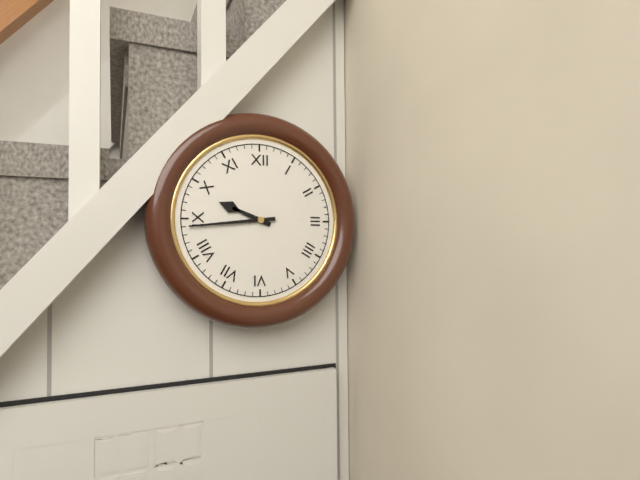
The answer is 9h44
